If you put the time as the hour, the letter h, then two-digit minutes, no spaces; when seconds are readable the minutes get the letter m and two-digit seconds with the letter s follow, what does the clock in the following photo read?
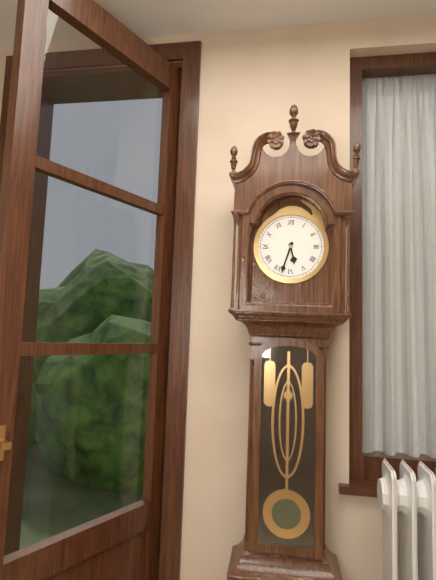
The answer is 5h33
